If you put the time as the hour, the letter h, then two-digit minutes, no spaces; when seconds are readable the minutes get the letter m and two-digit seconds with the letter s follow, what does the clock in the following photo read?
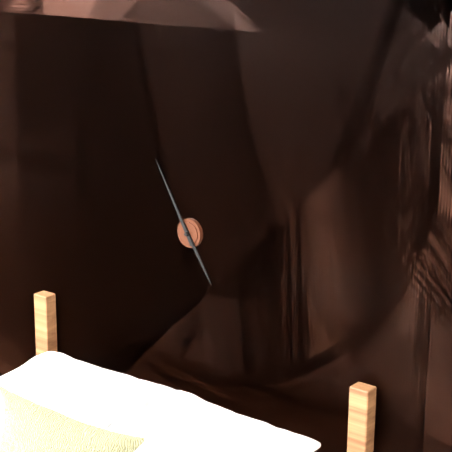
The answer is 4h55
